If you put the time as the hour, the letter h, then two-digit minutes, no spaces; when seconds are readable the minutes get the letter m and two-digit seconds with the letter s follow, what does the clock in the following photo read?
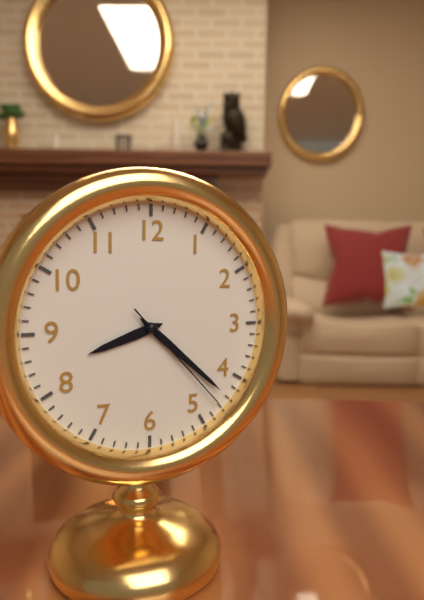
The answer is 8h22m23s
